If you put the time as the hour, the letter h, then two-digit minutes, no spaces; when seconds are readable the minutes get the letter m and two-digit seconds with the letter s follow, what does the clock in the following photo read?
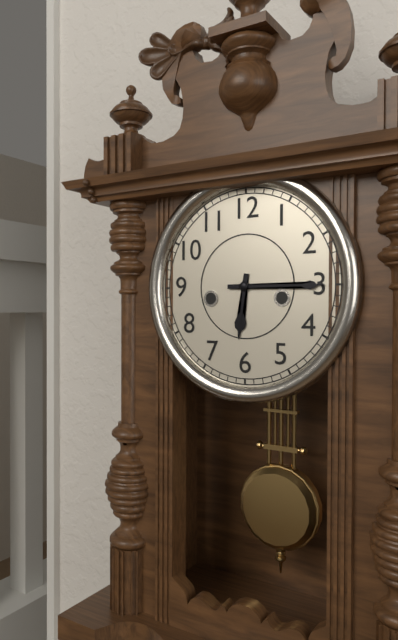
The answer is 6h15
